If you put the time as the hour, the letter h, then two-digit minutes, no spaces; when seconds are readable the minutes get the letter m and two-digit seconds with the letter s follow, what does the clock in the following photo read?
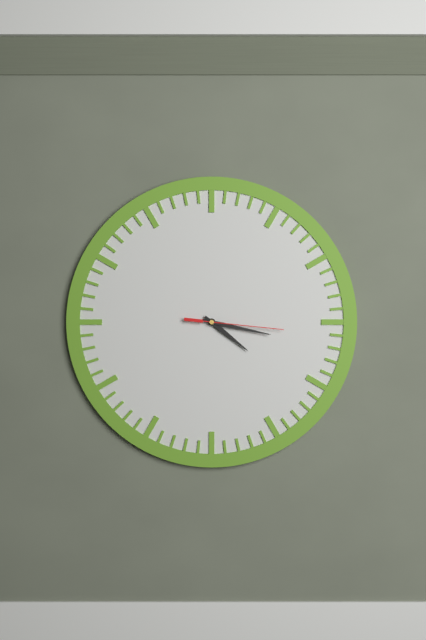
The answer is 4h17m16s
